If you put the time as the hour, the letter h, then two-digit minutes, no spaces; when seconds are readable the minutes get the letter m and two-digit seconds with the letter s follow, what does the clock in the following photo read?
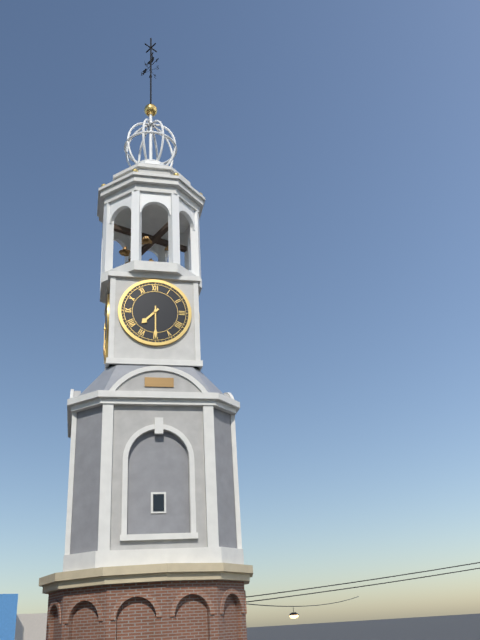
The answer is 7h30
